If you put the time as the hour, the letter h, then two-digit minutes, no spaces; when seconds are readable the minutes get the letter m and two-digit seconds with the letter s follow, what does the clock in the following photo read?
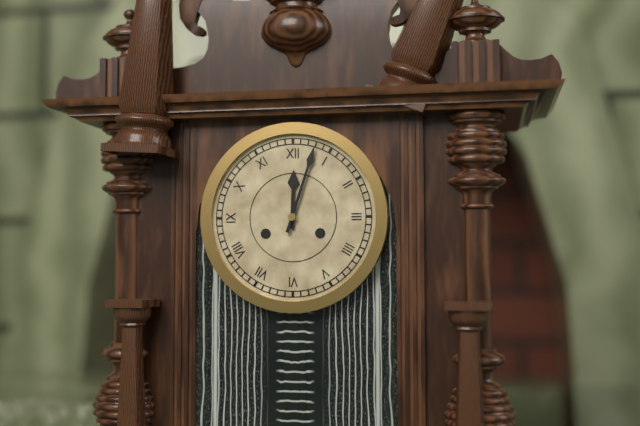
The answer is 12h03
